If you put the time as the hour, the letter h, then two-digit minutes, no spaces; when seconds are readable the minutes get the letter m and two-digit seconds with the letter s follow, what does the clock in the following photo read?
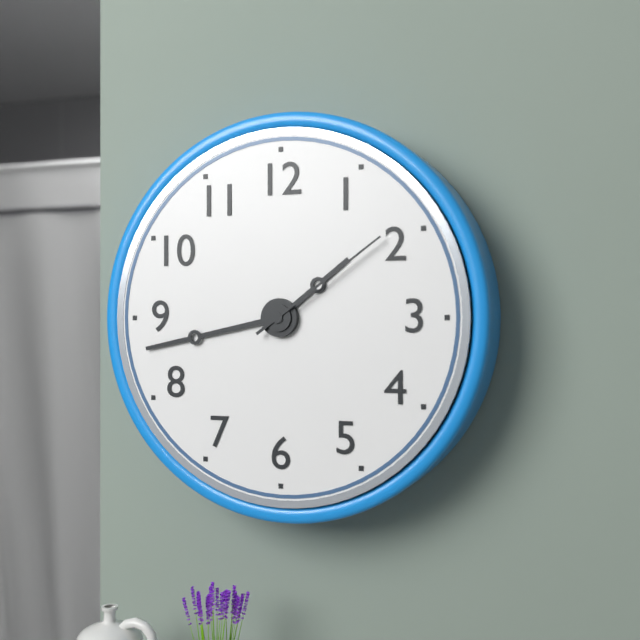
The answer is 1h43m09s
